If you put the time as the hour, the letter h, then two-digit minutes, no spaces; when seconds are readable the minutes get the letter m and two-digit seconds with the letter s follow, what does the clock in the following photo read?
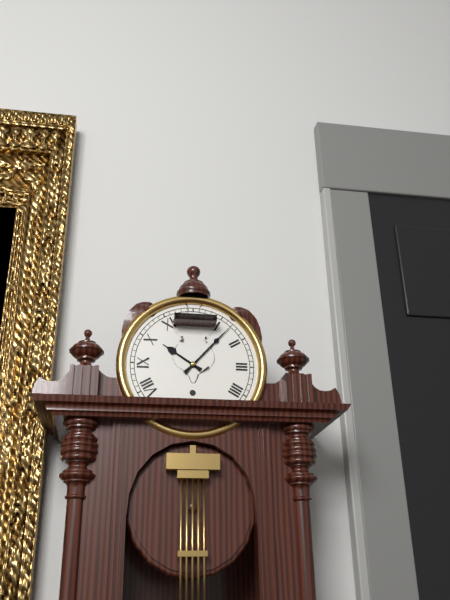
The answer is 10h07
